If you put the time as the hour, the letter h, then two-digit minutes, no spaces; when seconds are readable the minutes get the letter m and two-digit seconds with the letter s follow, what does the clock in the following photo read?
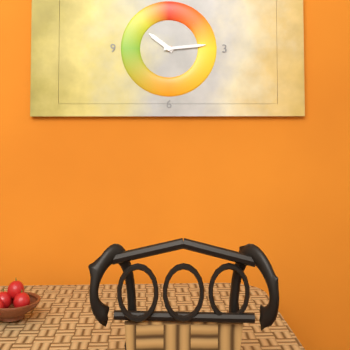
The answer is 10h14
